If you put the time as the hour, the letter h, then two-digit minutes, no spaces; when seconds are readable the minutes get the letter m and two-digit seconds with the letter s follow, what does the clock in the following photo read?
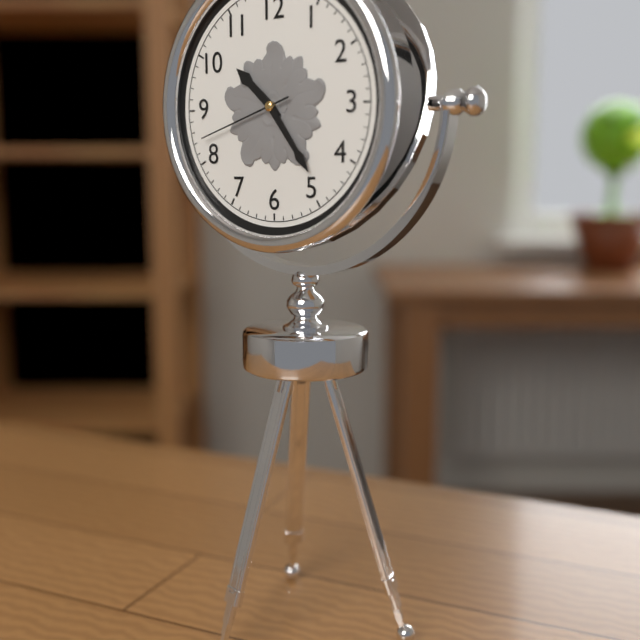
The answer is 10h24m42s
